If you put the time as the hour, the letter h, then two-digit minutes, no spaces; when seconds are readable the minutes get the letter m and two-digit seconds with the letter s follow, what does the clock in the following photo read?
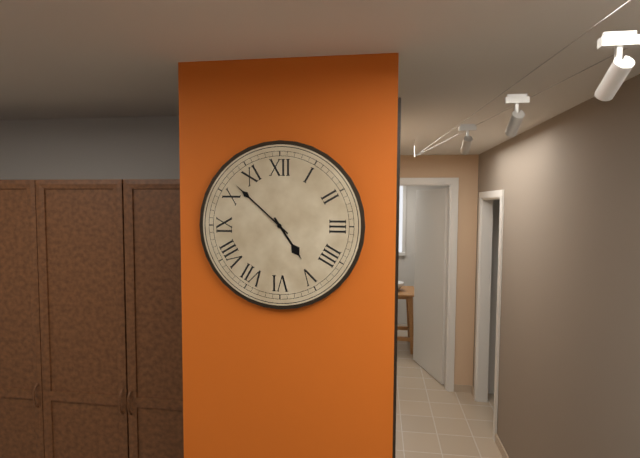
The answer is 4h52
